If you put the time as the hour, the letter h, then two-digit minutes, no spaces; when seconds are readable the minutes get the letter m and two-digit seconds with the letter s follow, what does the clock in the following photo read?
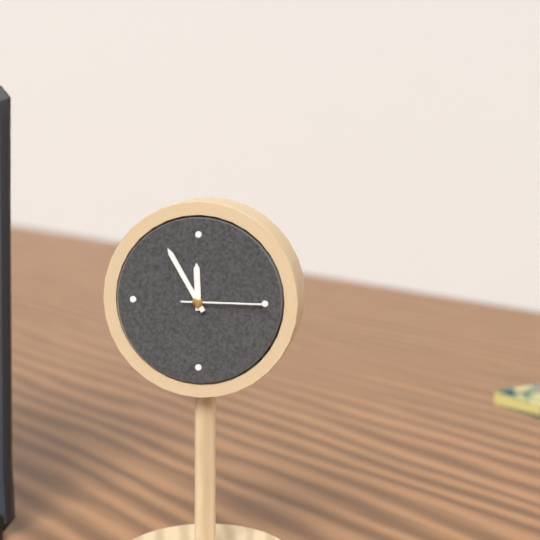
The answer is 11h55m15s
